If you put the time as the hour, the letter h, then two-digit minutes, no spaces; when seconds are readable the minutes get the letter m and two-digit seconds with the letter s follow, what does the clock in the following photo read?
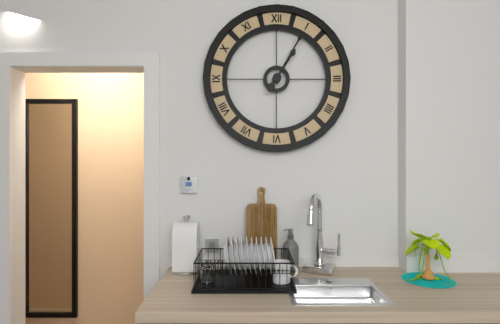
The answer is 1h05
